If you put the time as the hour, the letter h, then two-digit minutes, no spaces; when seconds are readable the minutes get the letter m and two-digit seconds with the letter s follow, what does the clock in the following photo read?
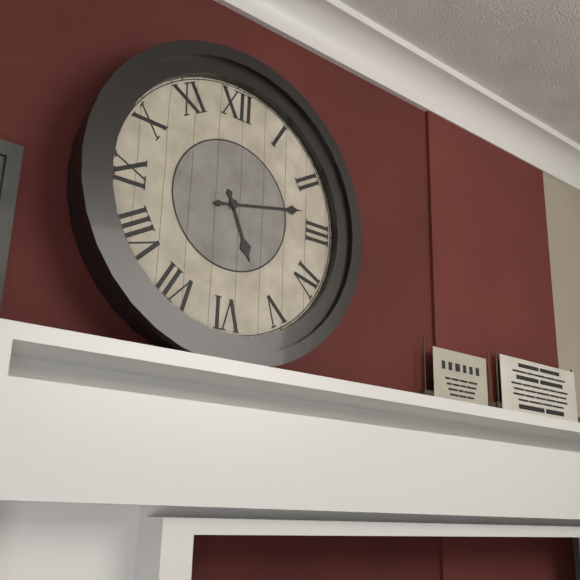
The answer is 5h13
